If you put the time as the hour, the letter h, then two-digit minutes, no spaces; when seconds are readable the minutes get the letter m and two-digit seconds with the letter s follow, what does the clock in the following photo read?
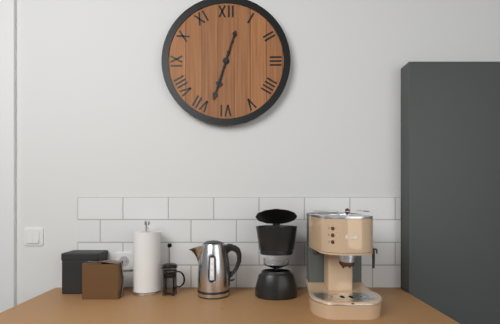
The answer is 6h33
